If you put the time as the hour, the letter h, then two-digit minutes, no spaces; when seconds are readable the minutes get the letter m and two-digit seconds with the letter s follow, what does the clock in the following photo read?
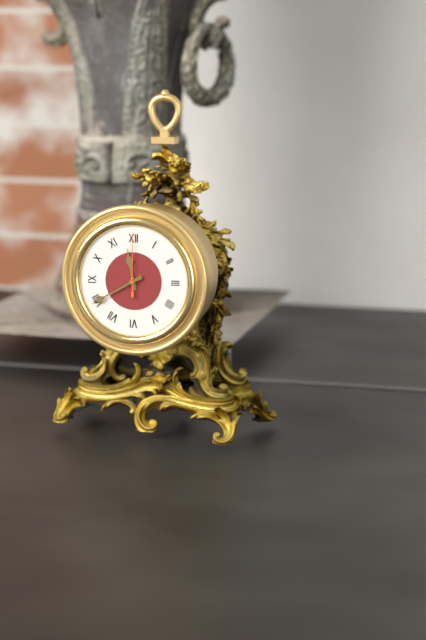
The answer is 11h40m00s
